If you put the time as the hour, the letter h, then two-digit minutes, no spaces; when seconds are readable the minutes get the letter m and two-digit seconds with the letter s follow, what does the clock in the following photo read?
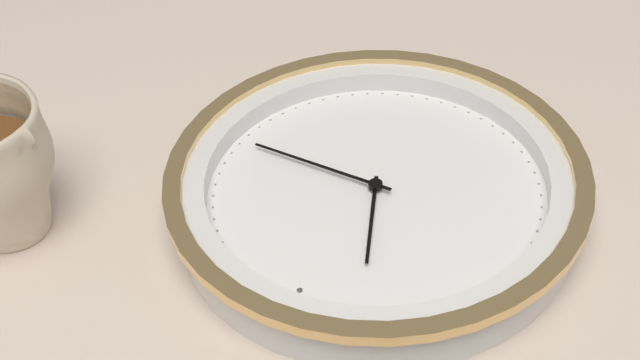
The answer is 11h15
